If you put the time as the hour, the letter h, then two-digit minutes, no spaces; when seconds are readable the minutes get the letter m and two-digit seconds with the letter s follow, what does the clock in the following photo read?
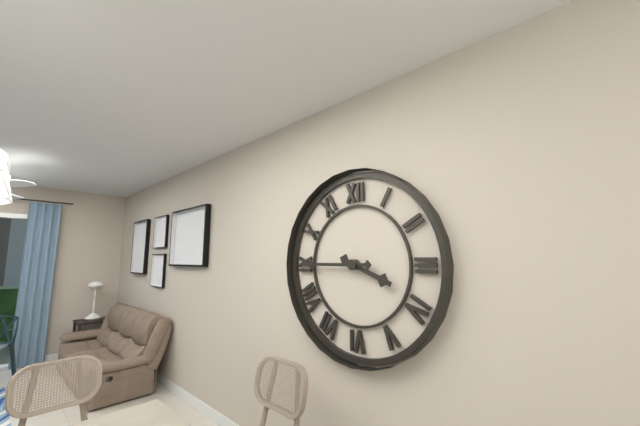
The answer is 3h45
